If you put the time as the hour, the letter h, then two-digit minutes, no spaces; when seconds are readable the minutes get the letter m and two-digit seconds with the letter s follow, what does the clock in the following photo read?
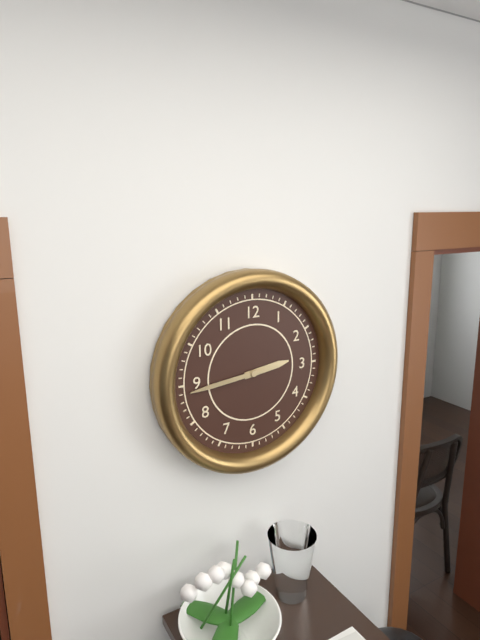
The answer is 2h44
